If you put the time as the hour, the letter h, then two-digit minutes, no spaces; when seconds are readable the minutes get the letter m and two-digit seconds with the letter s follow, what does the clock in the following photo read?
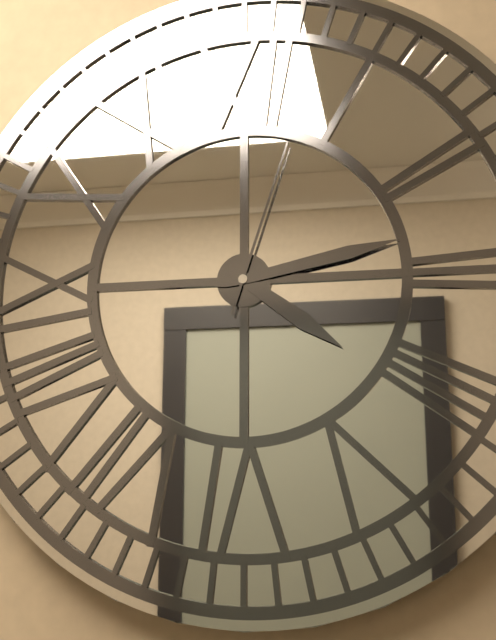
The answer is 4h13m03s
